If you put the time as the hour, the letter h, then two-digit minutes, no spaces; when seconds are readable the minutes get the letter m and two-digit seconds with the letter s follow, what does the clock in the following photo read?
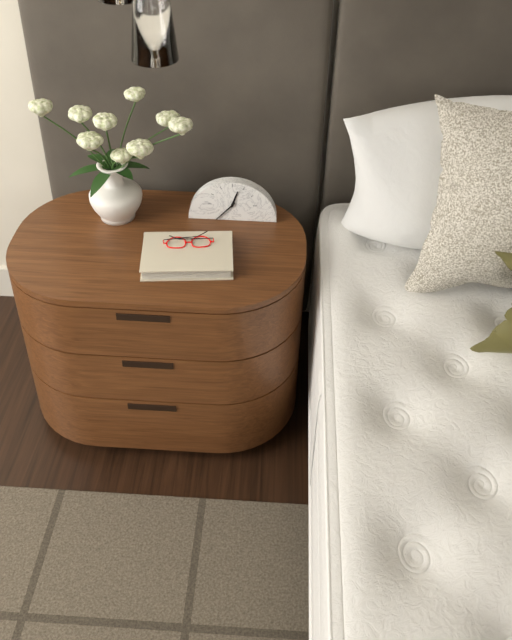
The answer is 12h37
